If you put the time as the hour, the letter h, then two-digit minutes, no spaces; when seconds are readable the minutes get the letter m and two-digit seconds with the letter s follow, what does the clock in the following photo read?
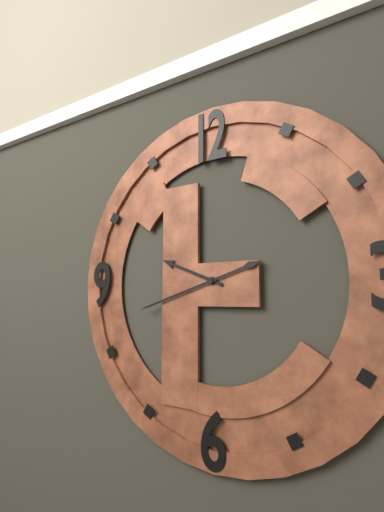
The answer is 9h42
